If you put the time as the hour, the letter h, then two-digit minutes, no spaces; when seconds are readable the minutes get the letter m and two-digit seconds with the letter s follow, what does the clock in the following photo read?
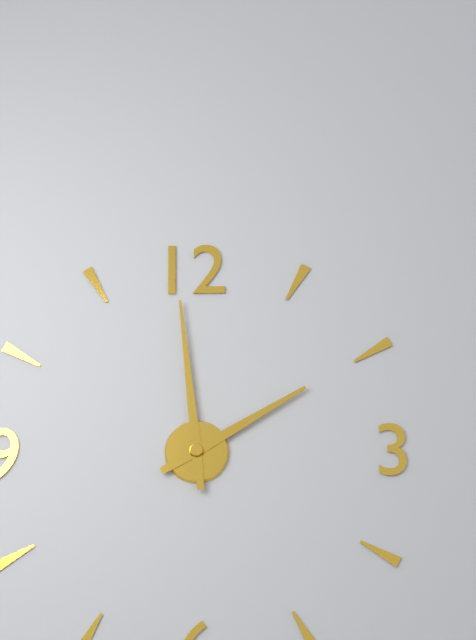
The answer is 1h59
